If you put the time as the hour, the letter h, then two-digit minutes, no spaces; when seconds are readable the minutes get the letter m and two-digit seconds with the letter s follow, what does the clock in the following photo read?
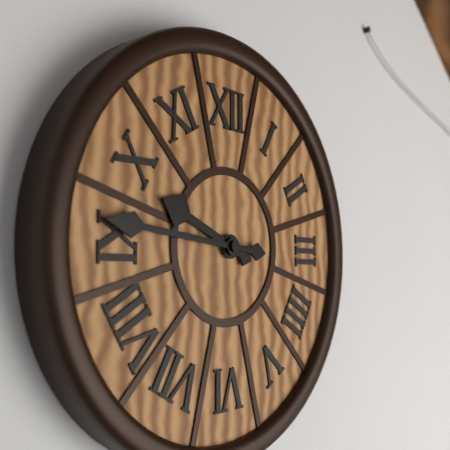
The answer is 9h46
